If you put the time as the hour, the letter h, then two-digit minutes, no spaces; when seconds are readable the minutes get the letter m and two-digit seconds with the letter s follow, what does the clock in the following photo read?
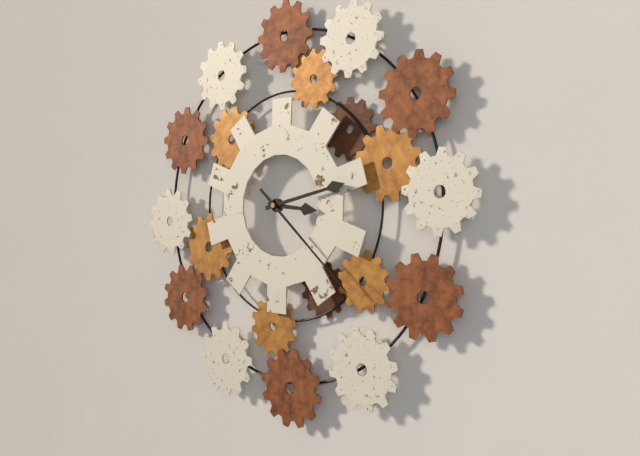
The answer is 3h13m22s
